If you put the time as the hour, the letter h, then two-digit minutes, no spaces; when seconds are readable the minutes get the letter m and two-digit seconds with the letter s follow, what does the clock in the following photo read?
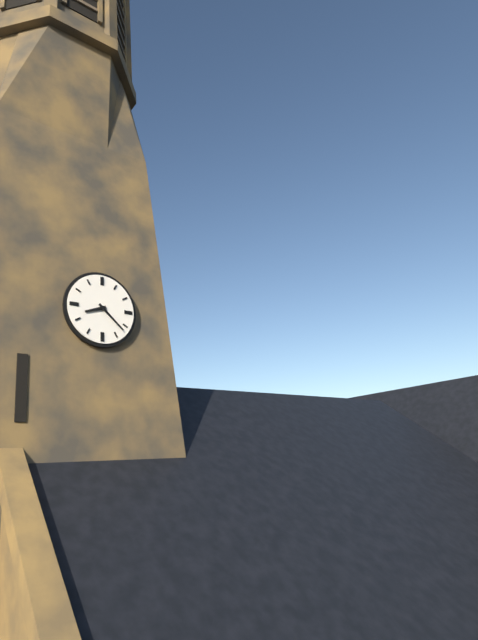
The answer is 8h22
